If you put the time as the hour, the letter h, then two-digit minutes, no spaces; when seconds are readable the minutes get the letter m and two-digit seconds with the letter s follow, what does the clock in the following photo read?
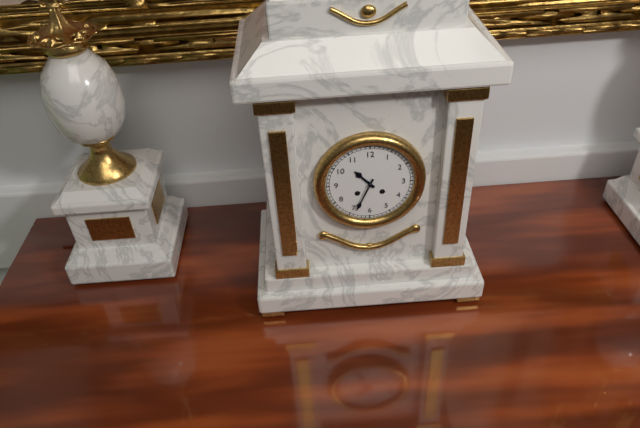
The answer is 10h34
